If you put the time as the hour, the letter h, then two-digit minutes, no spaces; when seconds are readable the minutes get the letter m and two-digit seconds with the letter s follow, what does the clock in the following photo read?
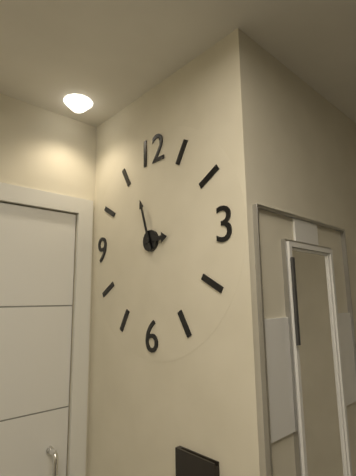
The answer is 2h57
